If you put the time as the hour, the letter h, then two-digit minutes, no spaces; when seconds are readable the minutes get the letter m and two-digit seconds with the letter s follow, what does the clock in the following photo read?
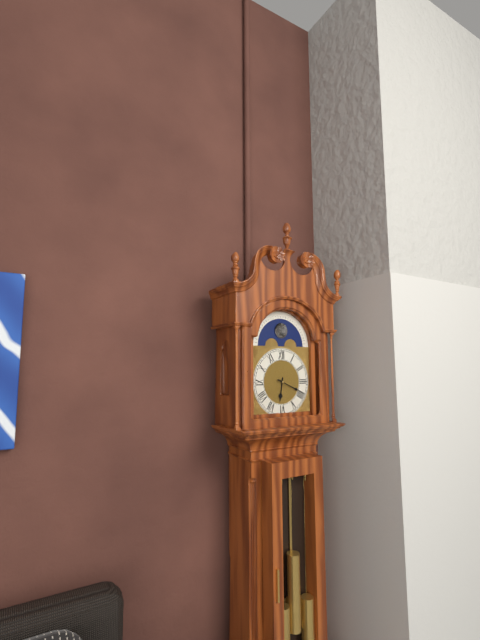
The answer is 6h19
